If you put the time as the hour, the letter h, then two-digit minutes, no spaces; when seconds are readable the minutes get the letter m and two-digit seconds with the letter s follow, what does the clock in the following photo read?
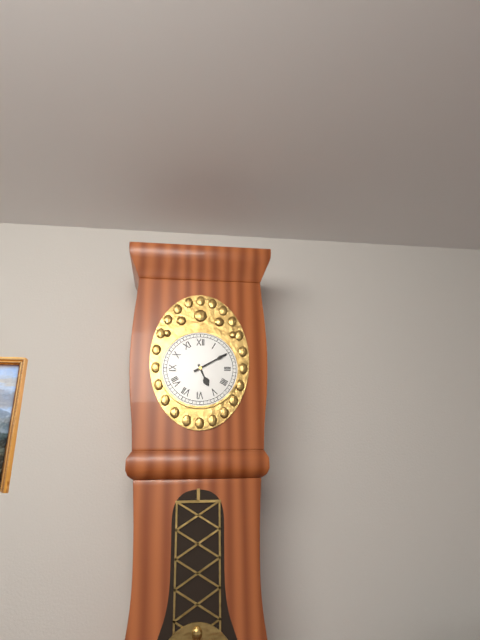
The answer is 5h10
